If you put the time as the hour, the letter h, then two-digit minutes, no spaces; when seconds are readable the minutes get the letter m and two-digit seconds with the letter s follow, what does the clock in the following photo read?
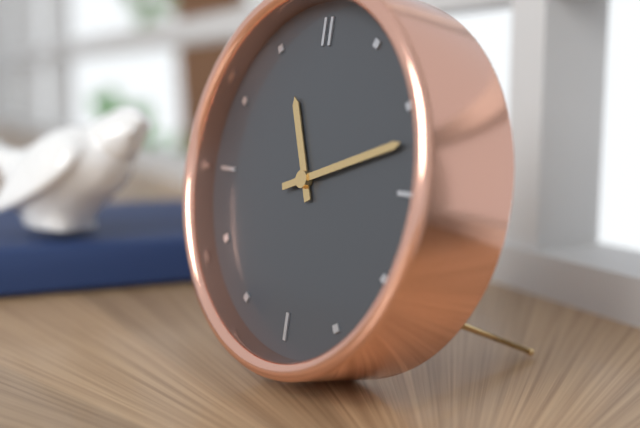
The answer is 11h12
